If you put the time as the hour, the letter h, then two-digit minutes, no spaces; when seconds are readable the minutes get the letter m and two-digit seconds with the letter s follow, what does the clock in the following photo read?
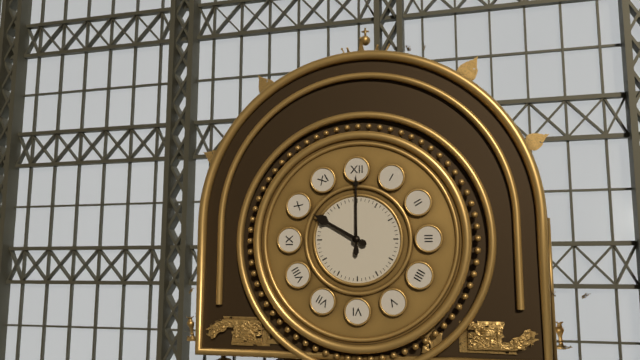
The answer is 10h00
